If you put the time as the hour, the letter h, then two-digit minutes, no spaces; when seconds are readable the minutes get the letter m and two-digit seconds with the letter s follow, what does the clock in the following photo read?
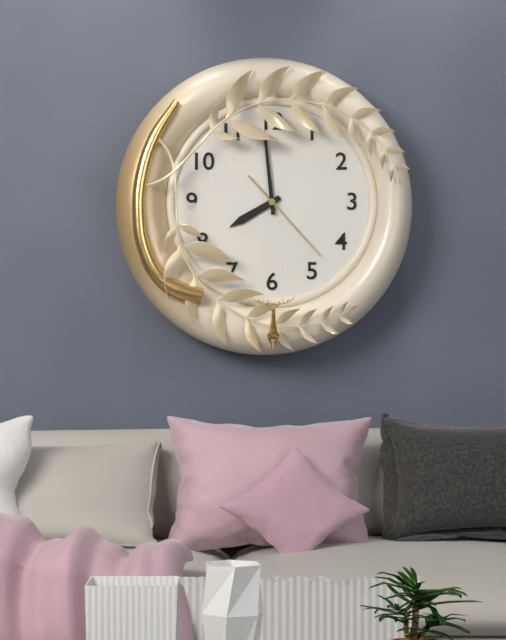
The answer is 7h59m23s
